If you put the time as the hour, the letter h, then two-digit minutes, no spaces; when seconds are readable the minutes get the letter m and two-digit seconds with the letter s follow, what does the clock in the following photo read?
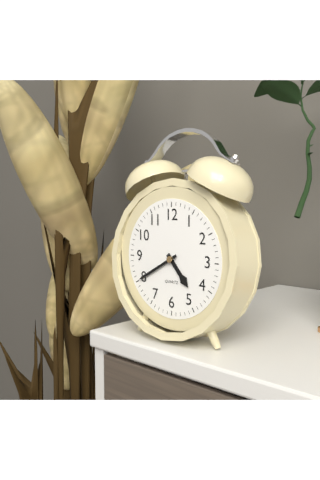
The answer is 4h40
